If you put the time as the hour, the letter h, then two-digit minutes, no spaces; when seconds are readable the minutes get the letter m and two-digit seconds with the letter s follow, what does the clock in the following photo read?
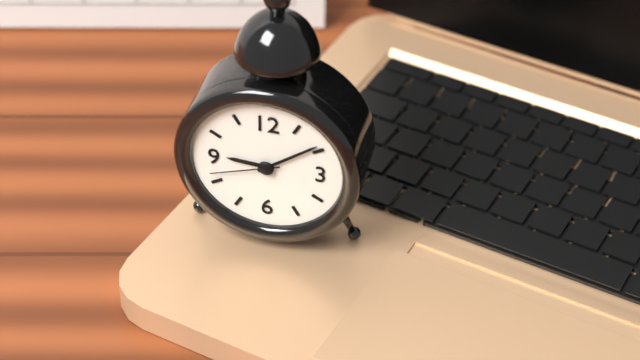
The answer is 9h09m42s
